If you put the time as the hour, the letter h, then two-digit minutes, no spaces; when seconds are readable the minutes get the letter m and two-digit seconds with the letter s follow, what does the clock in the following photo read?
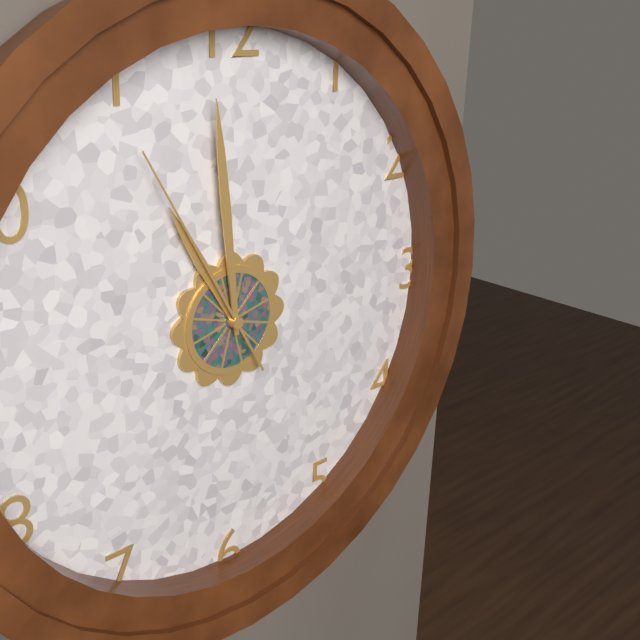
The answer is 10h59m55s
